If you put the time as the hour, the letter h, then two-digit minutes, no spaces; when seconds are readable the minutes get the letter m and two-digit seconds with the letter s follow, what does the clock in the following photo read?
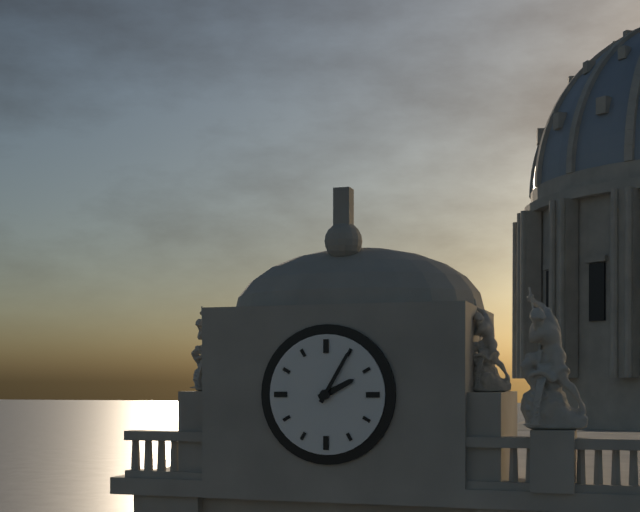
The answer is 2h05
